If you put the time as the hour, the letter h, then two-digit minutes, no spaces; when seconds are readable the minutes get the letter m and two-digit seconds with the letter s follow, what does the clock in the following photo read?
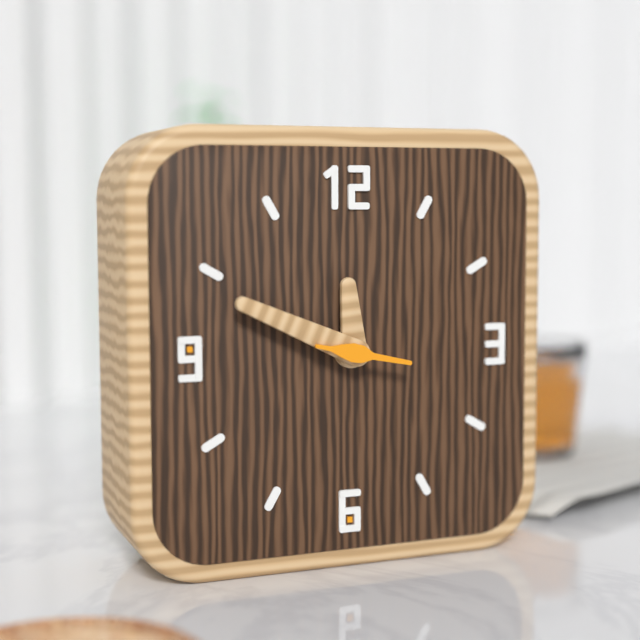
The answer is 11h49m17s
